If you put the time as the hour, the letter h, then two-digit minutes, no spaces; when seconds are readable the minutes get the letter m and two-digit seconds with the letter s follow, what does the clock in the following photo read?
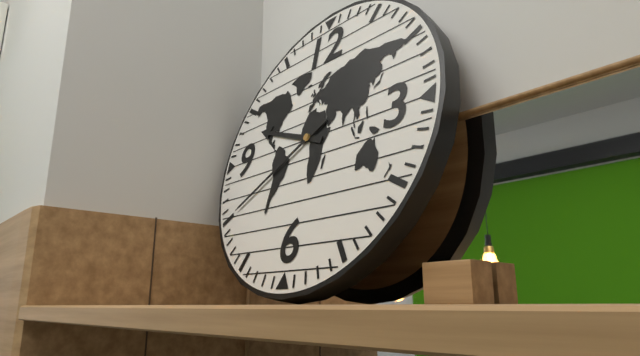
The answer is 9h40
